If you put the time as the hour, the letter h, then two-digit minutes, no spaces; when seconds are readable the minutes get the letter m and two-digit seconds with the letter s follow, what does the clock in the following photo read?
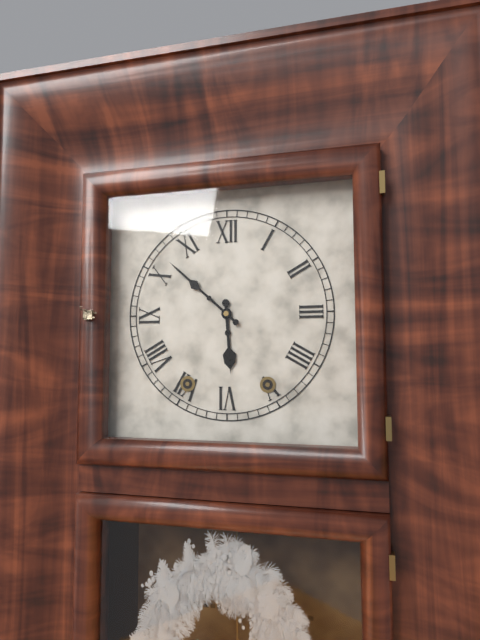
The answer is 5h52
